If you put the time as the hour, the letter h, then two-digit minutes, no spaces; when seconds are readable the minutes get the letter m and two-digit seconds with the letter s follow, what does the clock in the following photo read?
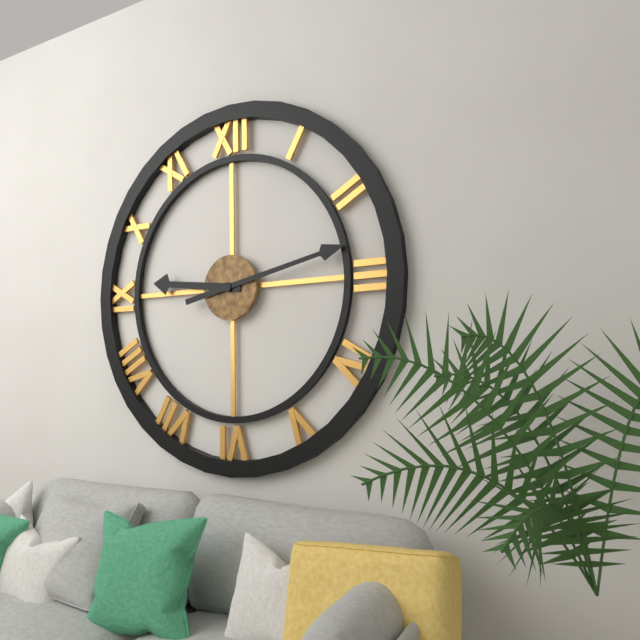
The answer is 9h13
